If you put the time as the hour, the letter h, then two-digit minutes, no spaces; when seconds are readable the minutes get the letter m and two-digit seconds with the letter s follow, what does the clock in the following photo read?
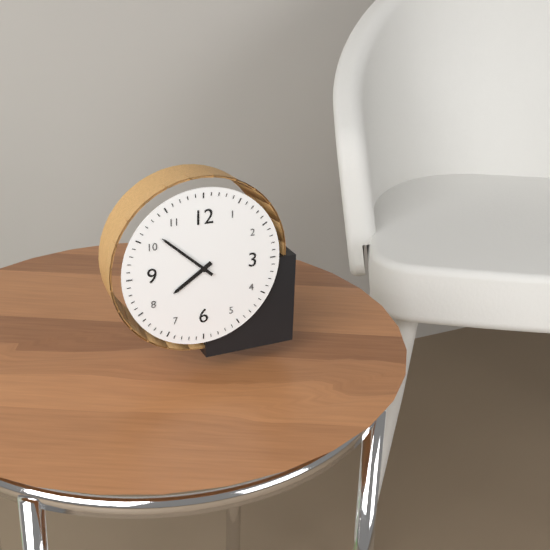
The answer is 7h52
